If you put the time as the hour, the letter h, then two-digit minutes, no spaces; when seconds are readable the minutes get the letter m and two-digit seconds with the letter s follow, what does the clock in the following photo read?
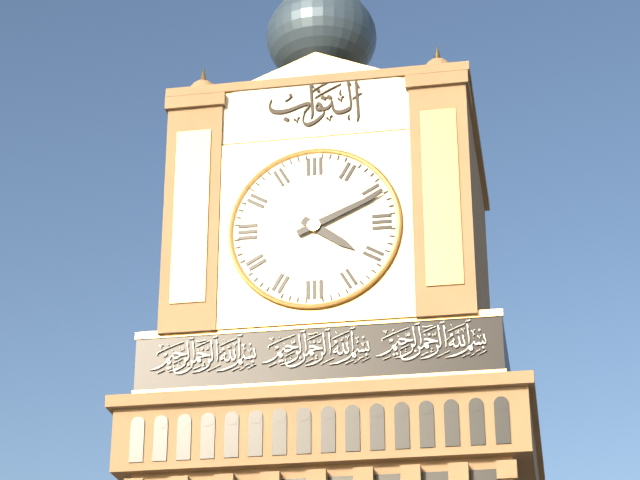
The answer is 4h11
